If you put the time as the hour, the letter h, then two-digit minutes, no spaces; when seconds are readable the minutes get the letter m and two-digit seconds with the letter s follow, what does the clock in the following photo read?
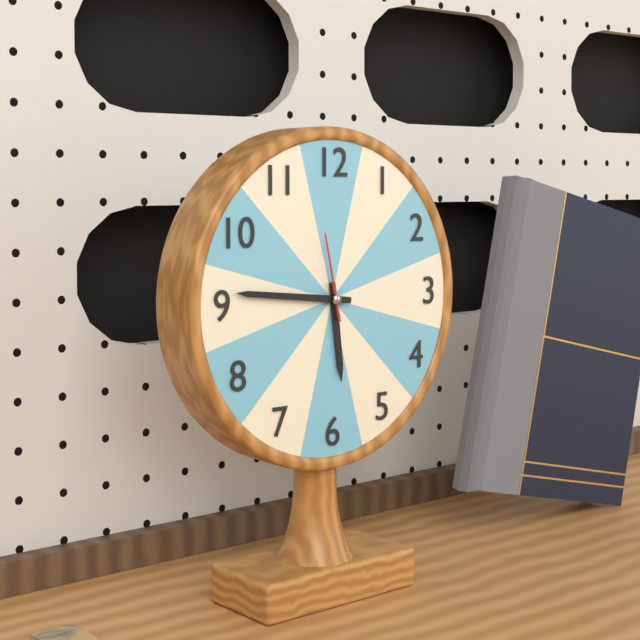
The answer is 5h46m58s
